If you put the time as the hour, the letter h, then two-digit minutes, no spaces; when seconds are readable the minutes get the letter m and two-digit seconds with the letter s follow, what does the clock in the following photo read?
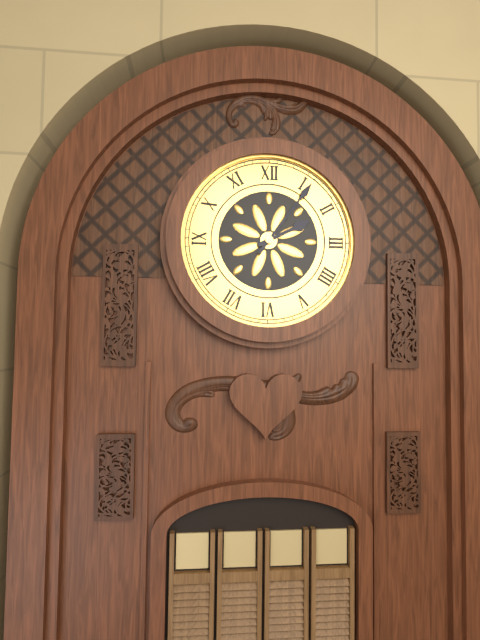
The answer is 2h06
